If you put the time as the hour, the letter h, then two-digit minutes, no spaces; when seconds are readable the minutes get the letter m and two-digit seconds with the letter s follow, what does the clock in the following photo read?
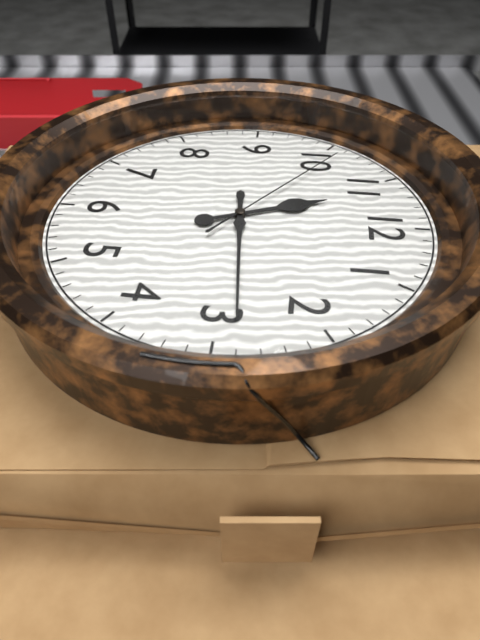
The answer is 11h14m51s
